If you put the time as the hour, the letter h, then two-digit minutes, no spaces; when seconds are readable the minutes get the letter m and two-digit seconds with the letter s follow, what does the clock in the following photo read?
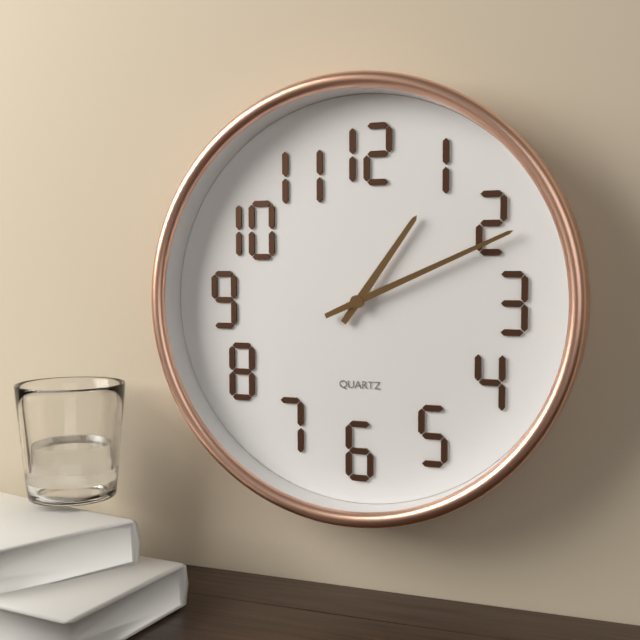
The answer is 1h11
